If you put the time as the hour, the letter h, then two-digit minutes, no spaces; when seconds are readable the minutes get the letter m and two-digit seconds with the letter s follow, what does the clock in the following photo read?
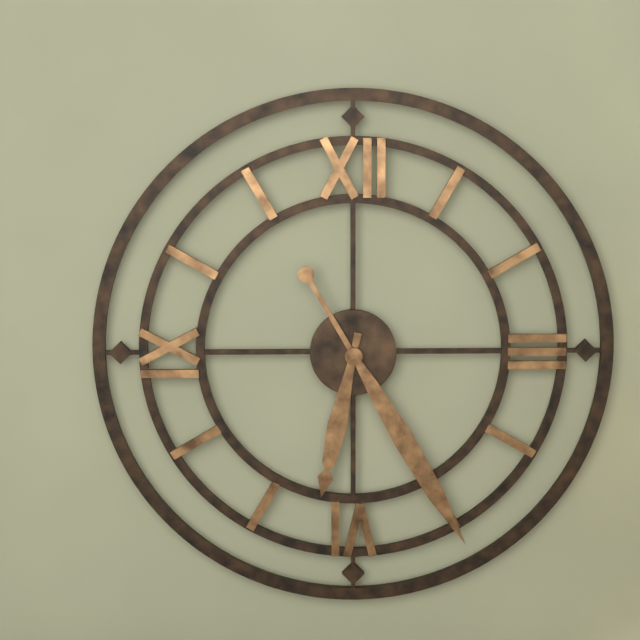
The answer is 6h25
